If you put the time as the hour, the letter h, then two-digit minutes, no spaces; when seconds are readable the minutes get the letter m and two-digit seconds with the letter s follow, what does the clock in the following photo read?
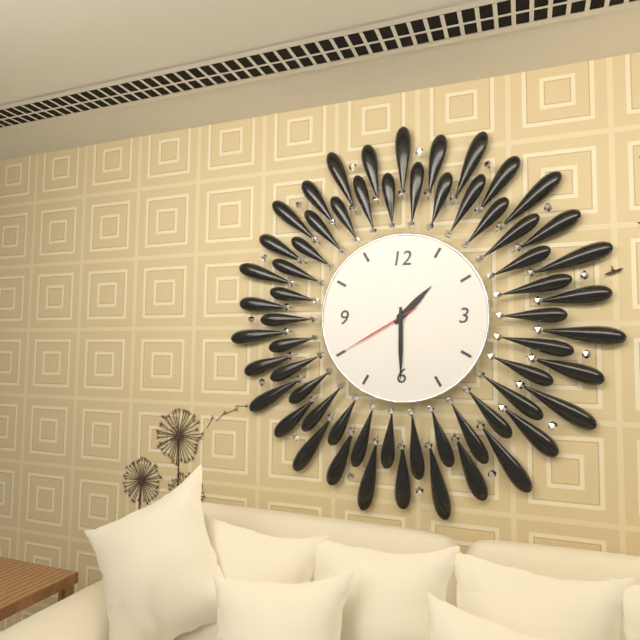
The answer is 1h30m40s
